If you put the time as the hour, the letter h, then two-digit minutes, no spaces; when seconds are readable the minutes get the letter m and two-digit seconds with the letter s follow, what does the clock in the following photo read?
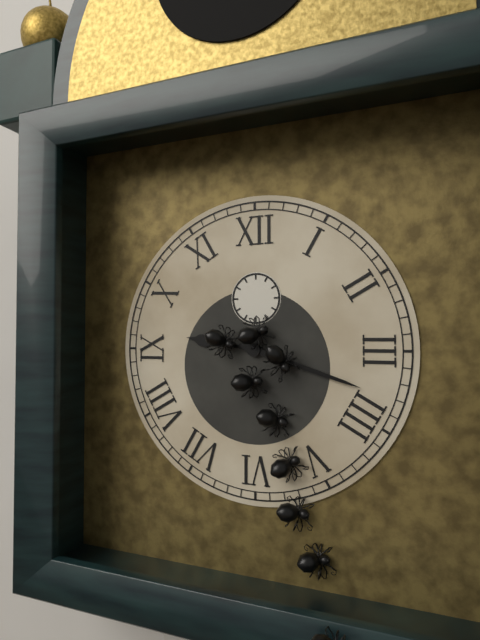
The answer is 9h18
